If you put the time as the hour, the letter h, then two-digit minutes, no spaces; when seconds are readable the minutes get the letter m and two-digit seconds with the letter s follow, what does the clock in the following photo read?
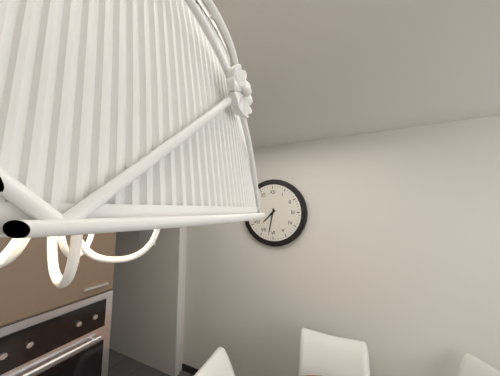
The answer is 7h32
